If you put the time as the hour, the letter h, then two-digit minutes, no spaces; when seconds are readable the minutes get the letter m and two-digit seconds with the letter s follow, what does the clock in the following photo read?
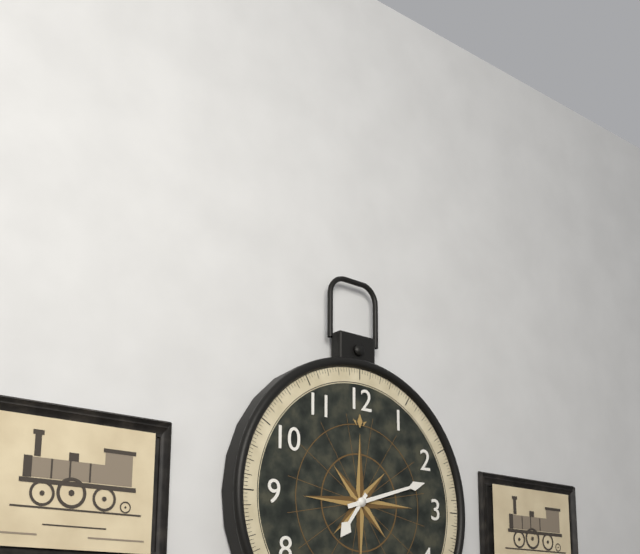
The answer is 7h12
